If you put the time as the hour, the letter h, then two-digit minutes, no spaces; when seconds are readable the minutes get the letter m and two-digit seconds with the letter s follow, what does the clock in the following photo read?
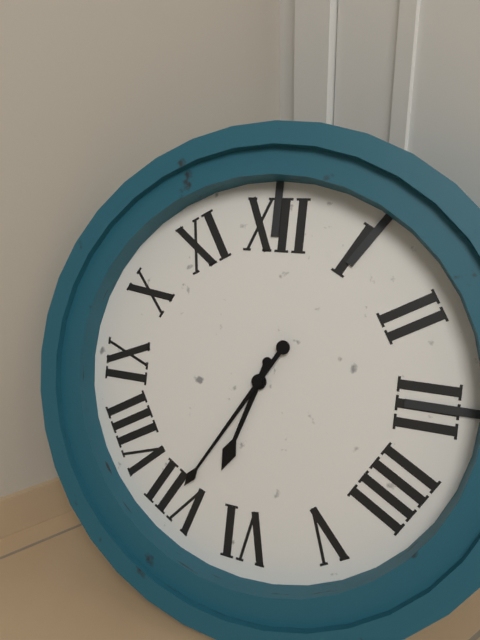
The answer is 6h35
